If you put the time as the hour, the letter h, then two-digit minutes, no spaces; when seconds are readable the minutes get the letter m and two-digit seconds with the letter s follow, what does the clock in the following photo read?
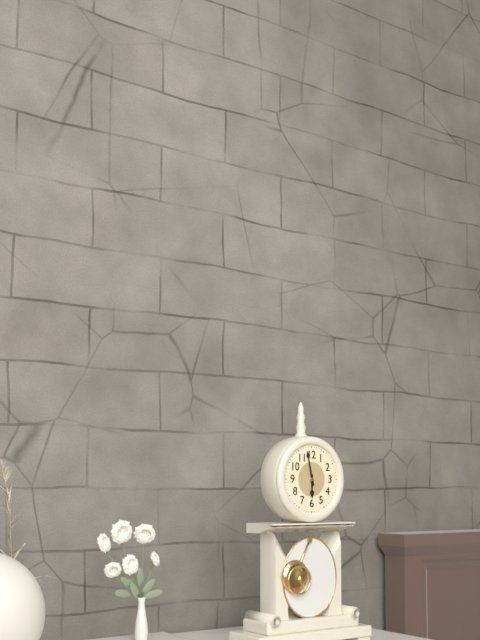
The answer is 5h58
